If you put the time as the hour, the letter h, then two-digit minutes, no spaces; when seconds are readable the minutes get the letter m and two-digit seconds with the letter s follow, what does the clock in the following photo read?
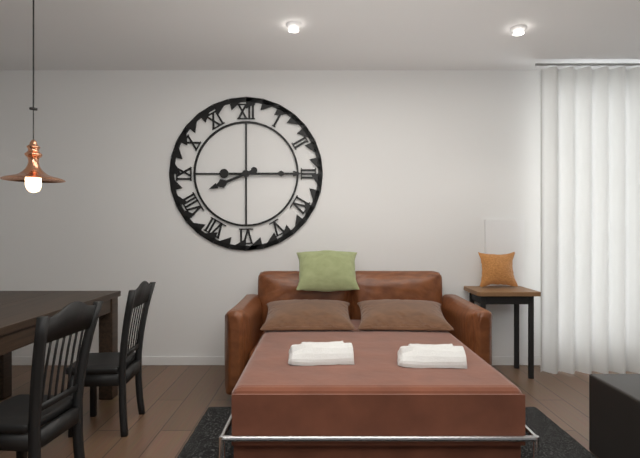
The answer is 8h15
